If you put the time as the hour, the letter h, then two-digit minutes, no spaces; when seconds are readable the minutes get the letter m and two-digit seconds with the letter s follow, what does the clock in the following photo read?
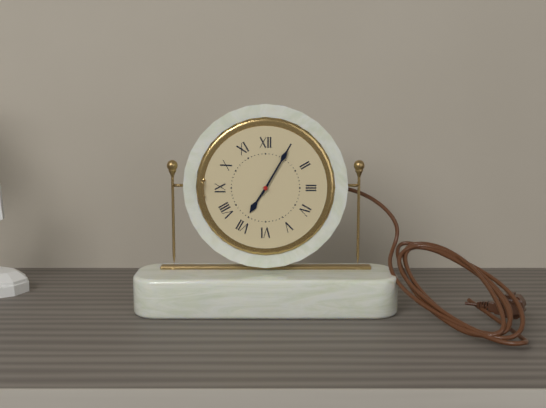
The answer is 7h05
